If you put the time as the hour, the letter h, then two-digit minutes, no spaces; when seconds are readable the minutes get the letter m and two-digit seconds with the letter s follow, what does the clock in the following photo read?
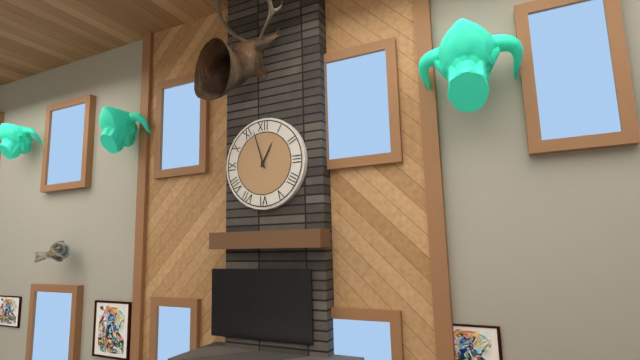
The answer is 12h57
